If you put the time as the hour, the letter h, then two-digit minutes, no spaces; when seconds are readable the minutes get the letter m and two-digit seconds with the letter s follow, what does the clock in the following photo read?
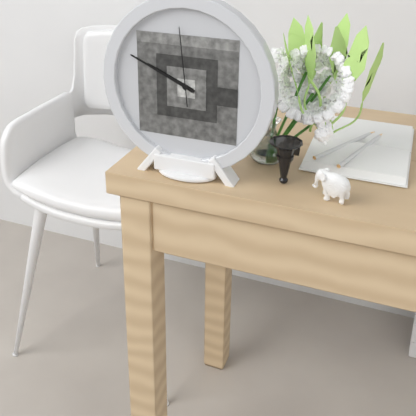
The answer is 9h49m59s
